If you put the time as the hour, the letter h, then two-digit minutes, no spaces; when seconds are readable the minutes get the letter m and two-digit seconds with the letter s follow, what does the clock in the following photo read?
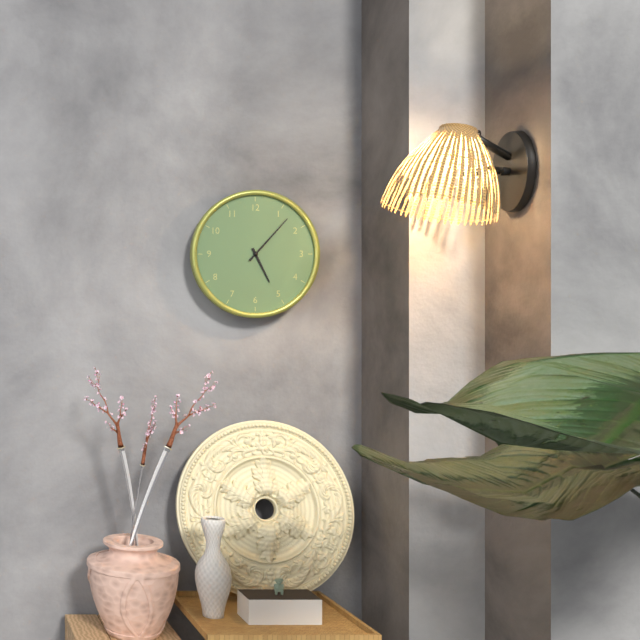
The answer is 5h07
